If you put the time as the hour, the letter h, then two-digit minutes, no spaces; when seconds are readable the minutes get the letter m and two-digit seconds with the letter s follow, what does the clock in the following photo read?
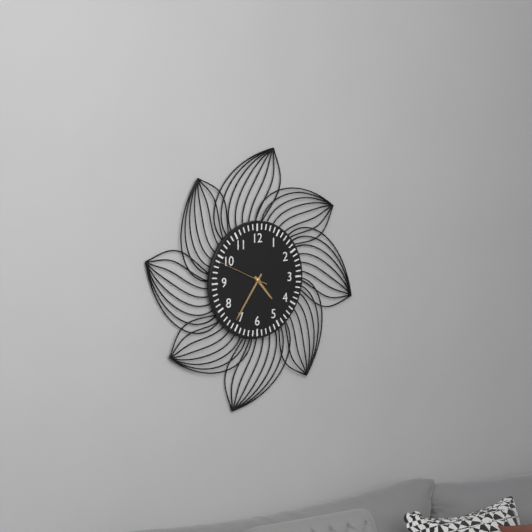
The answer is 4h36m49s
